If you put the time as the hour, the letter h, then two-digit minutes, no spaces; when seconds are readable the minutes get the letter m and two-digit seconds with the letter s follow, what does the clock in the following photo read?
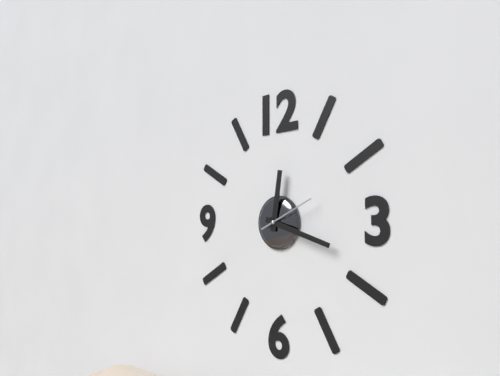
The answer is 12h18m11s
